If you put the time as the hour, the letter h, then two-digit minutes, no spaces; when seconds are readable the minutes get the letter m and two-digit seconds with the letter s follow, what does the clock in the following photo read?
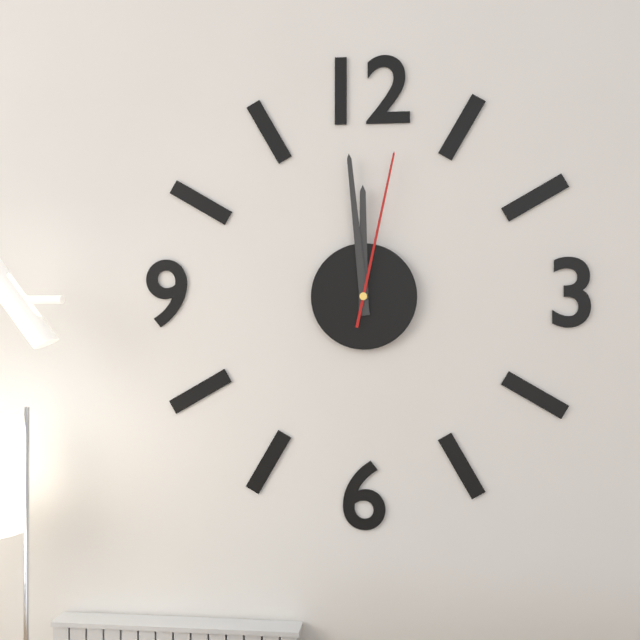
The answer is 11h59m02s
